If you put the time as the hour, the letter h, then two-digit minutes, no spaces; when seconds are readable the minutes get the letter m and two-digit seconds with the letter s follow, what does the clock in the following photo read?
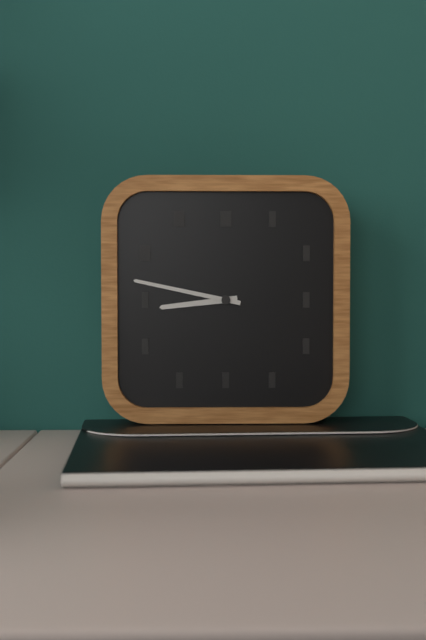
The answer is 8h47
